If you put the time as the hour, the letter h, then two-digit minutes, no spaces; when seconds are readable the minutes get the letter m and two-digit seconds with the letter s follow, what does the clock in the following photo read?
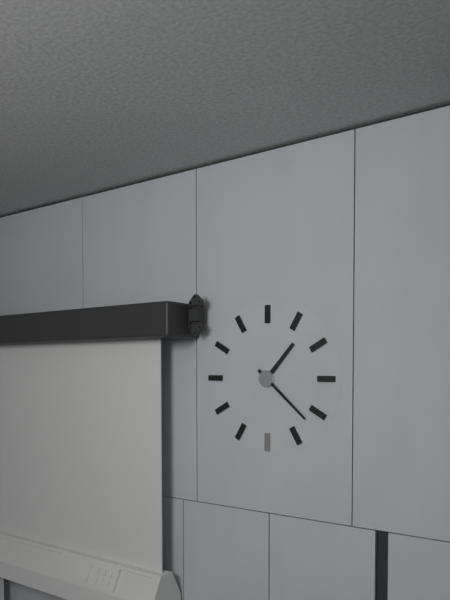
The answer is 1h22
